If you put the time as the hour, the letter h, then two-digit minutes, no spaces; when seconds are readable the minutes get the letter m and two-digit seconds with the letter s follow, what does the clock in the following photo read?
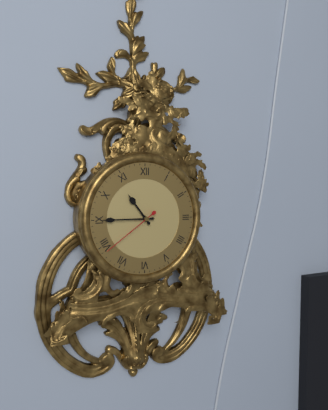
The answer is 10h45m39s
